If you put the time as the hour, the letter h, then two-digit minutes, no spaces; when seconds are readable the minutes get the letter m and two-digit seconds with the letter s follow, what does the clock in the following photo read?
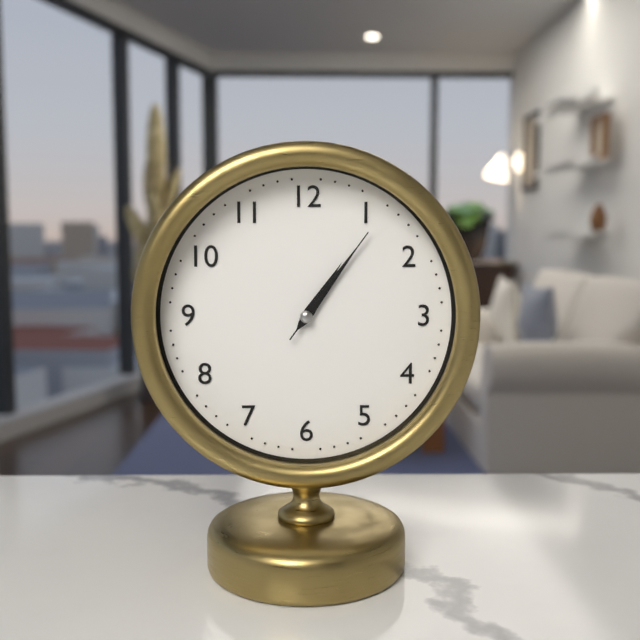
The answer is 1h06m06s
